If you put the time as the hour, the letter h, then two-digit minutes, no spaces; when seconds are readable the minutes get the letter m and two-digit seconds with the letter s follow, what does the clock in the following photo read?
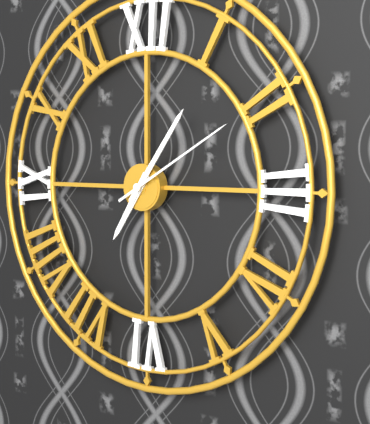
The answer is 7h06m10s
